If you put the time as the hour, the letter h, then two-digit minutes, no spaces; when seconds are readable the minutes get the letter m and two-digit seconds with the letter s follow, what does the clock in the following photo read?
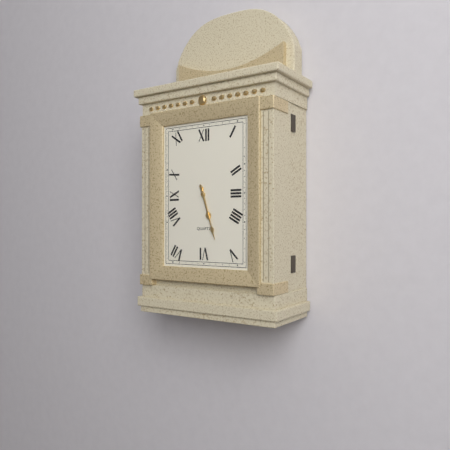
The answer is 5h27
